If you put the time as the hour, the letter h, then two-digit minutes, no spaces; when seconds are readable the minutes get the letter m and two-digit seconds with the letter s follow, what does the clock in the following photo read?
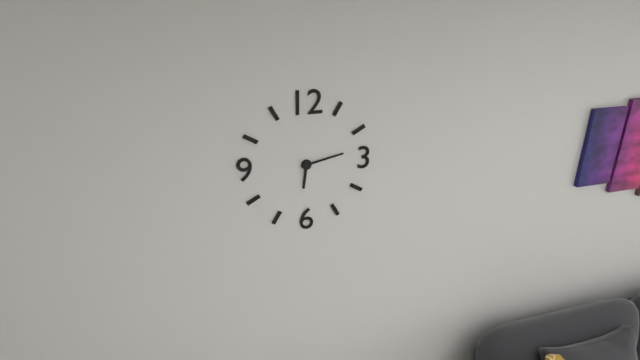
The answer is 6h13
